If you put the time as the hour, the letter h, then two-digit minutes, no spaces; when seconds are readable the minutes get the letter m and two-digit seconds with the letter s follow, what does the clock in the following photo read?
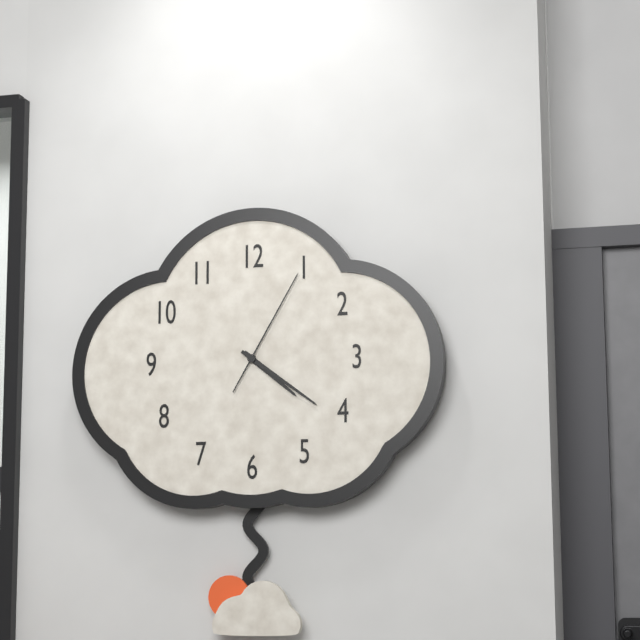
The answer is 4h21m05s
